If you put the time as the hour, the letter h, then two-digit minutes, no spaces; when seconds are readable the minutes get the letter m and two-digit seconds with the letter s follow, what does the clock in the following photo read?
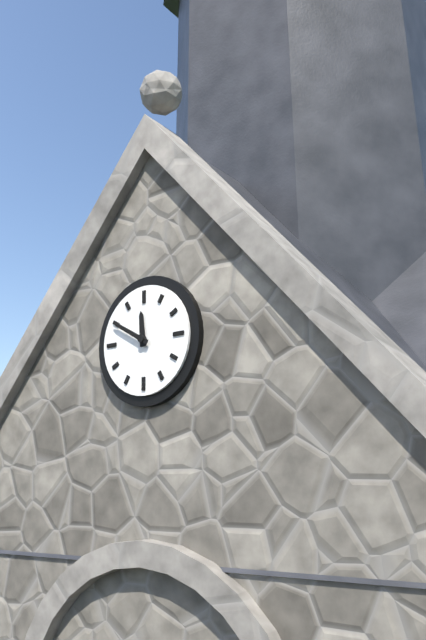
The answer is 11h50
